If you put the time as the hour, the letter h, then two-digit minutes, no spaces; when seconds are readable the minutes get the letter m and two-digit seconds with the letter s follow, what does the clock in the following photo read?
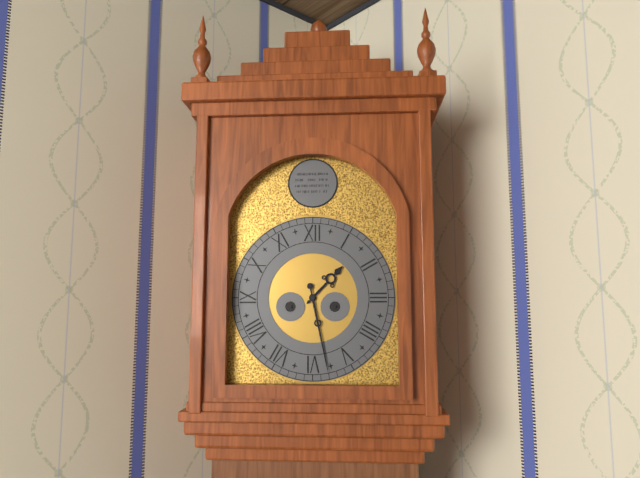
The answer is 1h28
